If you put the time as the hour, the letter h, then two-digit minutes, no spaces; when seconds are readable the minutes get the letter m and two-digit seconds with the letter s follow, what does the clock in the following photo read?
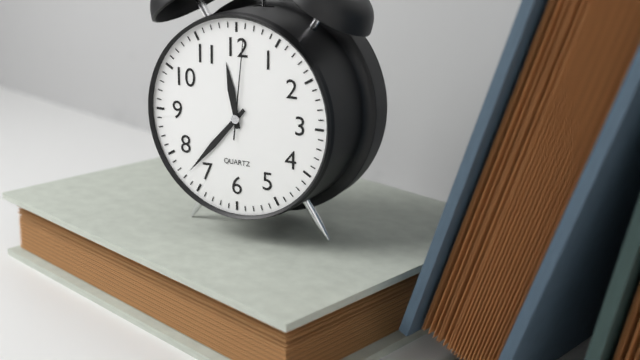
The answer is 11h37m01s
